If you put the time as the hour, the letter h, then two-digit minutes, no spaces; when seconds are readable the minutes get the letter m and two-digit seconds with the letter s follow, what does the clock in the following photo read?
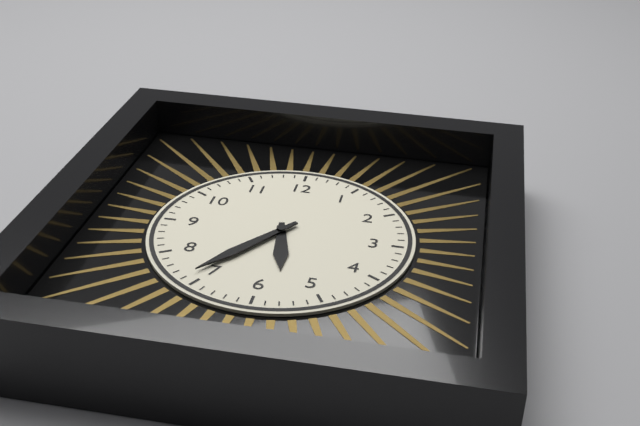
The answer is 5h36
